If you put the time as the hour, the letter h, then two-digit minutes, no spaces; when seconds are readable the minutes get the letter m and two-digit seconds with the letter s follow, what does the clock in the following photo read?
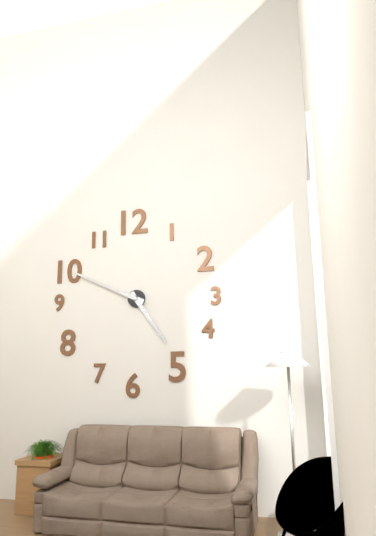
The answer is 4h49
